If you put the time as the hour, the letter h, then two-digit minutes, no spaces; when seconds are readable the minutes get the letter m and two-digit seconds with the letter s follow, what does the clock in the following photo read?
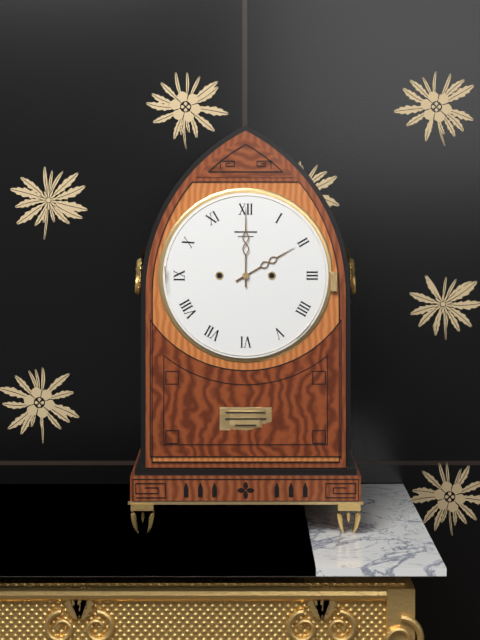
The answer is 2h00
